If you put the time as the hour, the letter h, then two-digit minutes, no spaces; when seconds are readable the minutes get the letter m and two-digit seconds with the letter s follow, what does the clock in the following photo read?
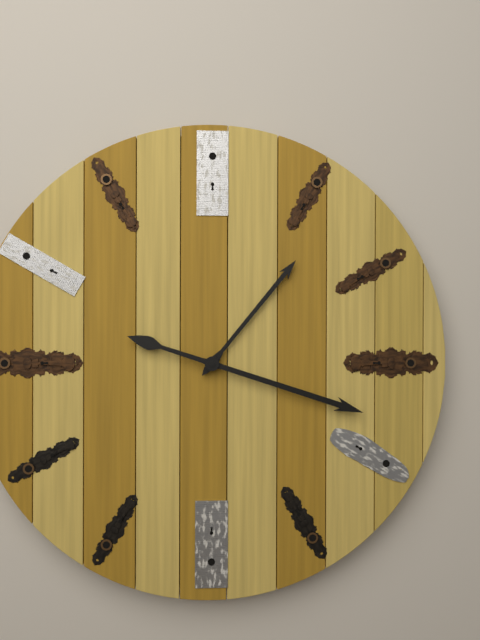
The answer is 1h18
